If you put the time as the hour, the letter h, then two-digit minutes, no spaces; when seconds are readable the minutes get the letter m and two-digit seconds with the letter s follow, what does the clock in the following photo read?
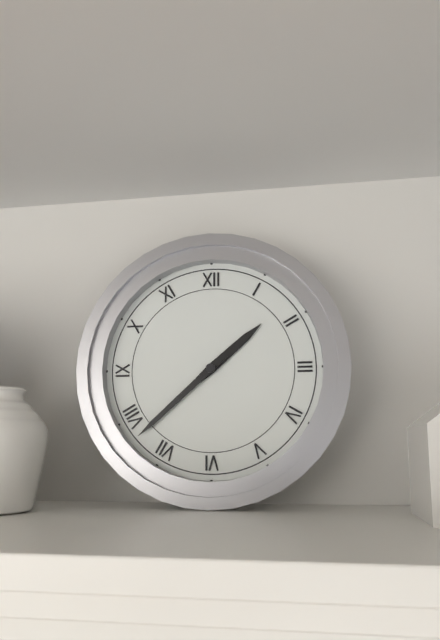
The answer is 1h38
